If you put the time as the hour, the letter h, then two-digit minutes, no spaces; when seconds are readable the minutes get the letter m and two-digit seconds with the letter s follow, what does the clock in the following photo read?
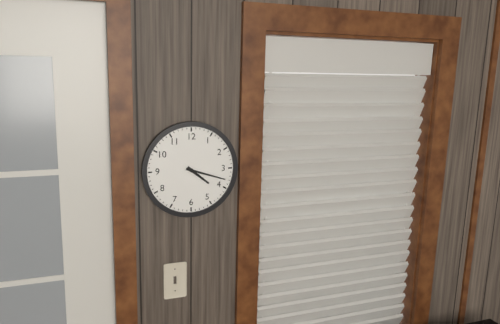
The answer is 4h18
